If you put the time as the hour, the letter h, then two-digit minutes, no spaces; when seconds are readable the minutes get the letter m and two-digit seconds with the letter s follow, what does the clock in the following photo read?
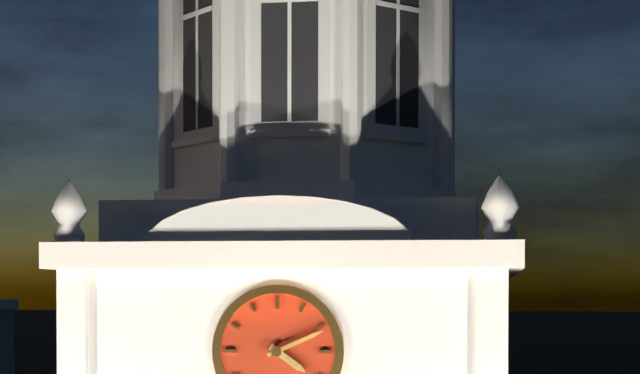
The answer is 4h11
